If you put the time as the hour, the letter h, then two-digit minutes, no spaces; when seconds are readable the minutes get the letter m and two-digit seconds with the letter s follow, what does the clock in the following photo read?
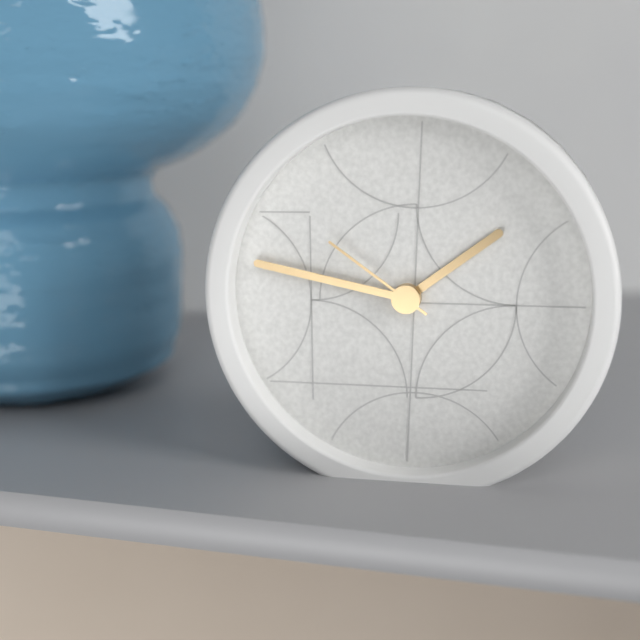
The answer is 1h47m51s
